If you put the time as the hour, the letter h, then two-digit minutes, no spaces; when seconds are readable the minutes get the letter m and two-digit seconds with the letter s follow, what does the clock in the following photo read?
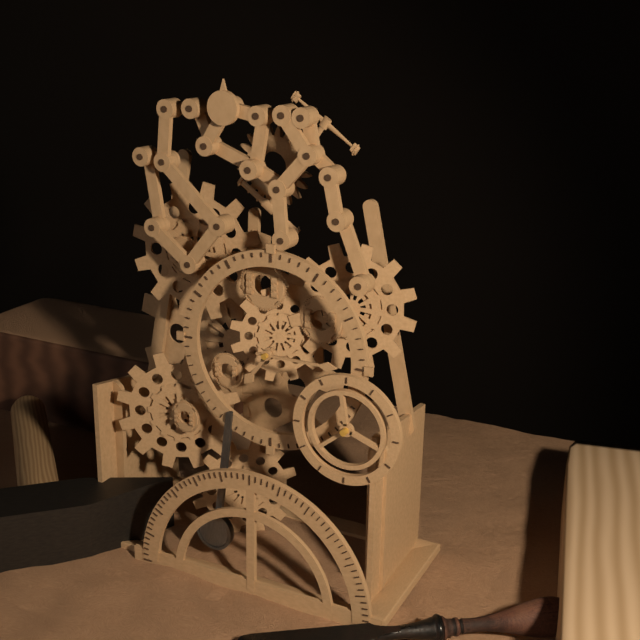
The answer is 7h15
